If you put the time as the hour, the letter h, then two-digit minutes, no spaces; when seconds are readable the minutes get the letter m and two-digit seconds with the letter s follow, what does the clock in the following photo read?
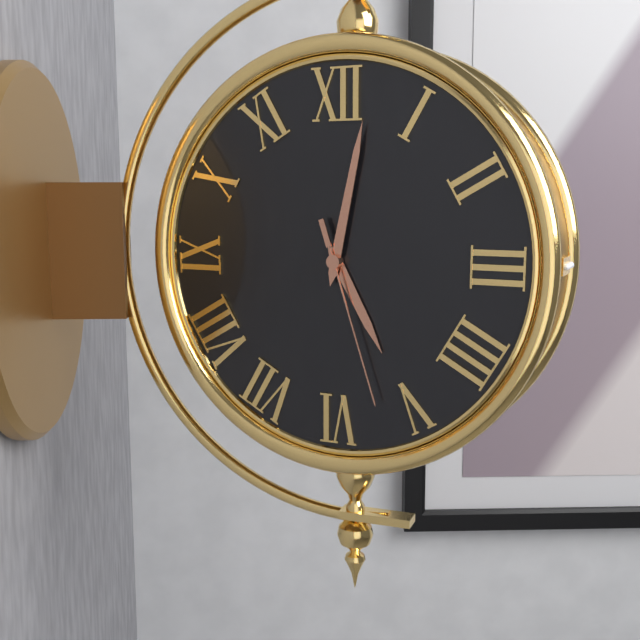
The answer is 5h02m27s
